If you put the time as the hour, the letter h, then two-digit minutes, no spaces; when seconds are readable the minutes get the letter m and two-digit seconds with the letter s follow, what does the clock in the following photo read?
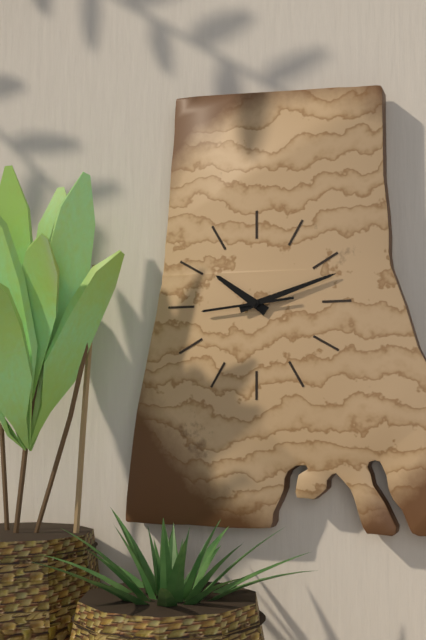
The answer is 10h12m44s
